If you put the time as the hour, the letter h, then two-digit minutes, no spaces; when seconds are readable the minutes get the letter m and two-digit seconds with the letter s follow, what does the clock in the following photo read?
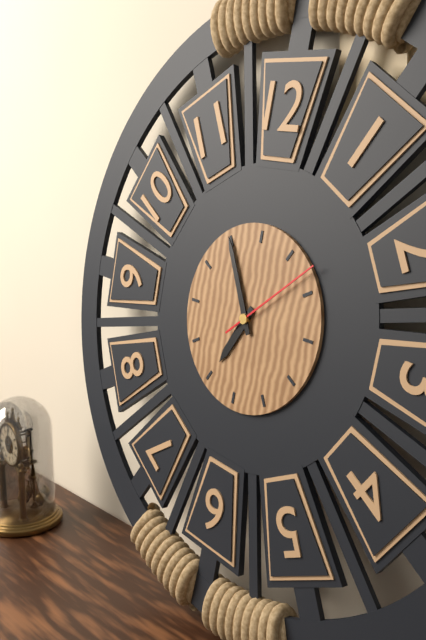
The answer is 6h55m08s
